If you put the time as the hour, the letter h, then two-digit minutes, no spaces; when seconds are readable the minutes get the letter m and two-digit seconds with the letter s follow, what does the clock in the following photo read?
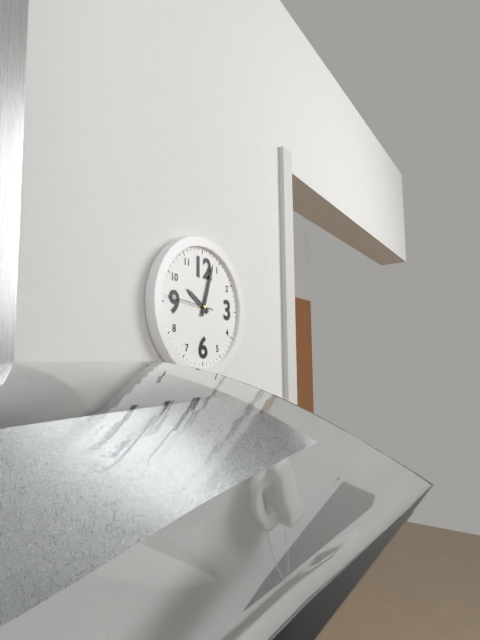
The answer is 10h03
